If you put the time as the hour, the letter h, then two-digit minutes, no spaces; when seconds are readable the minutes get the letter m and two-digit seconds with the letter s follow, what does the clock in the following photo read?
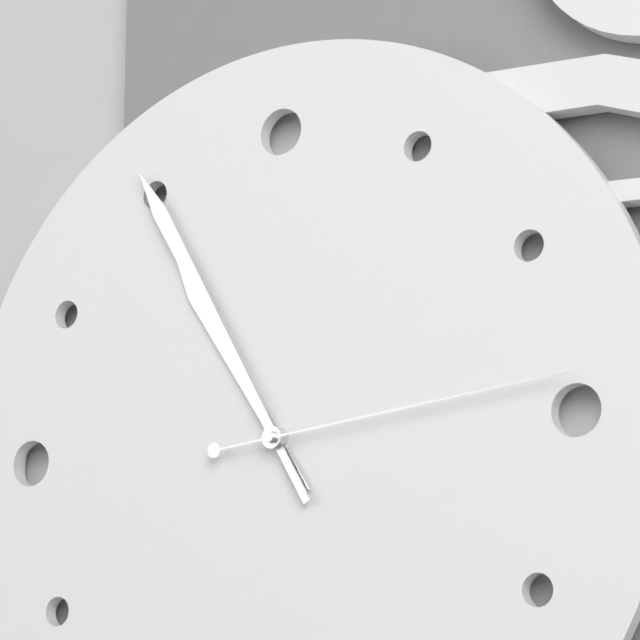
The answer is 10h55m14s
